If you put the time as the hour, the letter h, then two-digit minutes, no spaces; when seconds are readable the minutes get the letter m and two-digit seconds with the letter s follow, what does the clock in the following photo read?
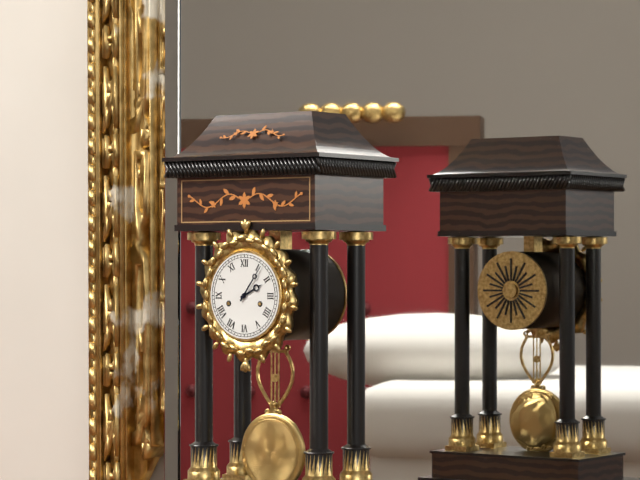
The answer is 2h06
